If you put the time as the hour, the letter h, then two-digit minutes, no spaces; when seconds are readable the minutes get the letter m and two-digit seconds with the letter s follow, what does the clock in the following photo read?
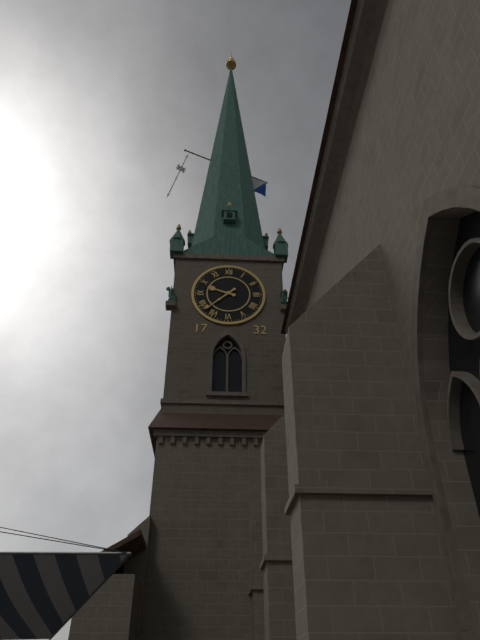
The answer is 9h38
